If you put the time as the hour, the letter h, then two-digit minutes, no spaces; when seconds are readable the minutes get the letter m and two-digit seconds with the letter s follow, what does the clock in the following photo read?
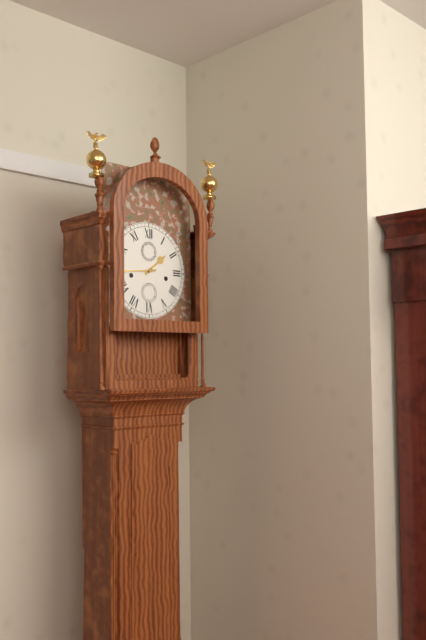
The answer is 1h44
